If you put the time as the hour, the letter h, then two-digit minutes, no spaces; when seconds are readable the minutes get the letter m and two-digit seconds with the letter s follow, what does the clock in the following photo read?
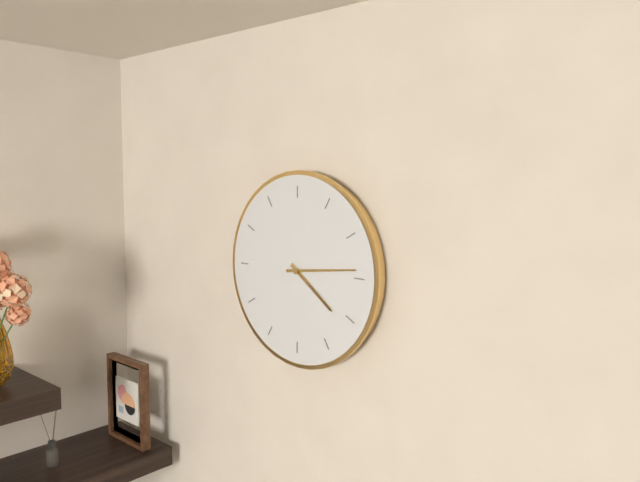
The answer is 4h14
